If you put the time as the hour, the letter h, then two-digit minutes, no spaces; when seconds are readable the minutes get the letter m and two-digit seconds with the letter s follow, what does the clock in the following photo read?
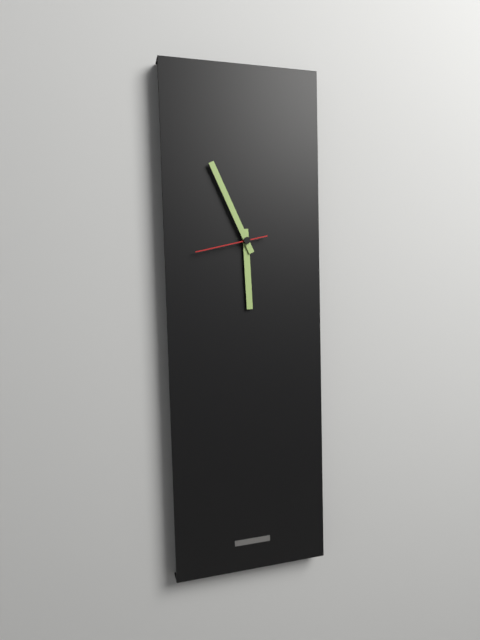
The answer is 5h56m43s
